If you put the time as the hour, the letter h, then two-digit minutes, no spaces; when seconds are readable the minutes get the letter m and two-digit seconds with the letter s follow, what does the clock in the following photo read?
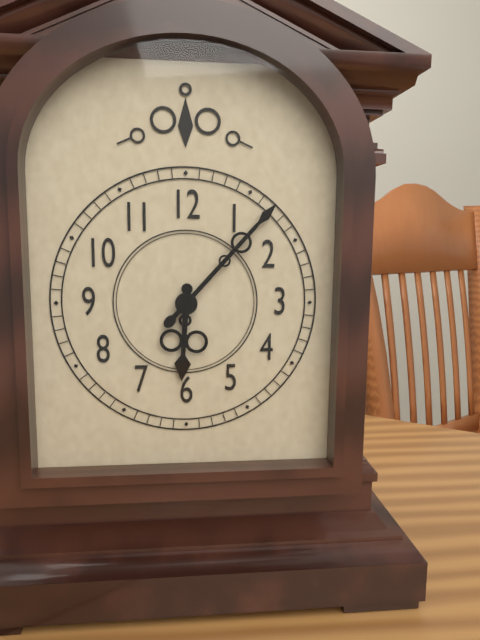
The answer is 6h07
